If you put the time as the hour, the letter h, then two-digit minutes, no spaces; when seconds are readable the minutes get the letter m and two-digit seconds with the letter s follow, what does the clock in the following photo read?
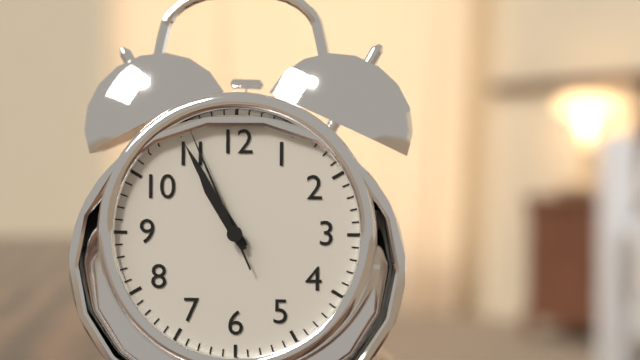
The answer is 10h55m56s
